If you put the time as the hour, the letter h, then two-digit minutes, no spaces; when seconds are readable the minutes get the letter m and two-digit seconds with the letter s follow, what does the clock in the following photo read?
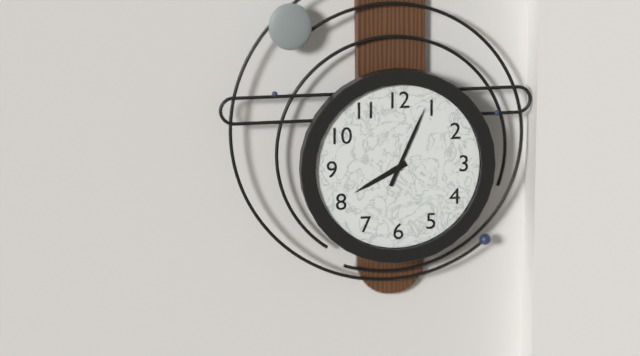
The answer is 8h04
